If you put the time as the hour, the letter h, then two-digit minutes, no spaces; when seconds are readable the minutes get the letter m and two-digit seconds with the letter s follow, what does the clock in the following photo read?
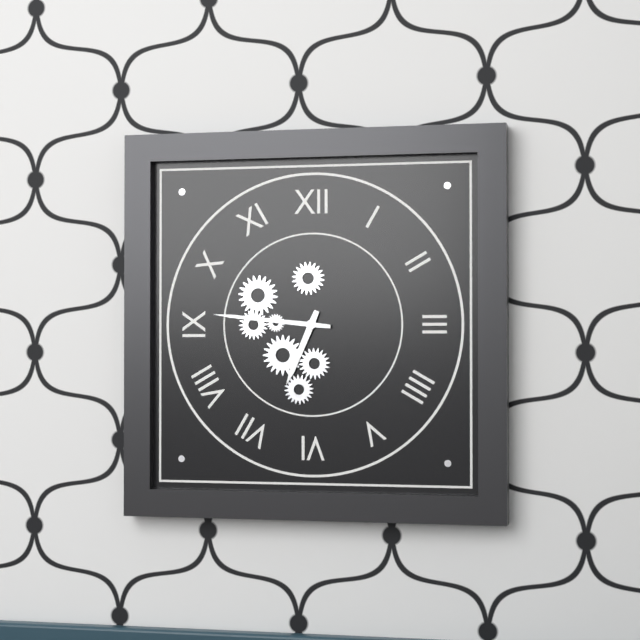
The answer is 6h46
